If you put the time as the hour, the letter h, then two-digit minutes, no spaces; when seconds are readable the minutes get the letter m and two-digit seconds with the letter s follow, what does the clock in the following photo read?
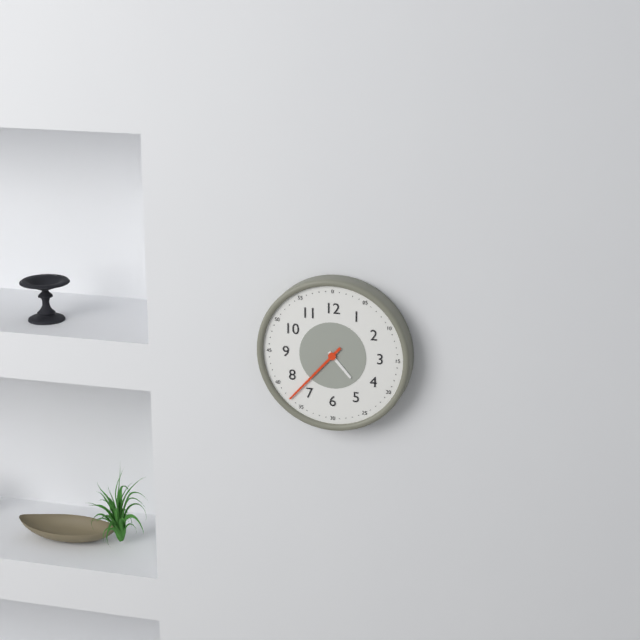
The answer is 4h37
